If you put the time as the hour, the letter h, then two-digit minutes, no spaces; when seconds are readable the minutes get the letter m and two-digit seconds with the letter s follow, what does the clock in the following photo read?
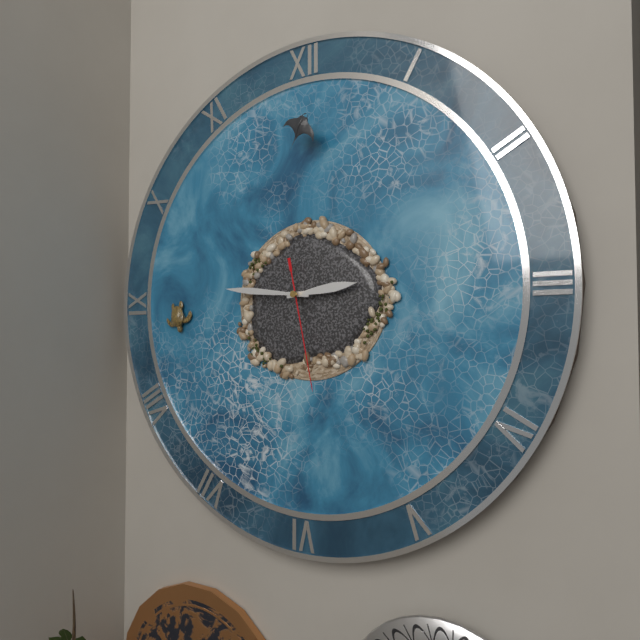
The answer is 2h46m28s
